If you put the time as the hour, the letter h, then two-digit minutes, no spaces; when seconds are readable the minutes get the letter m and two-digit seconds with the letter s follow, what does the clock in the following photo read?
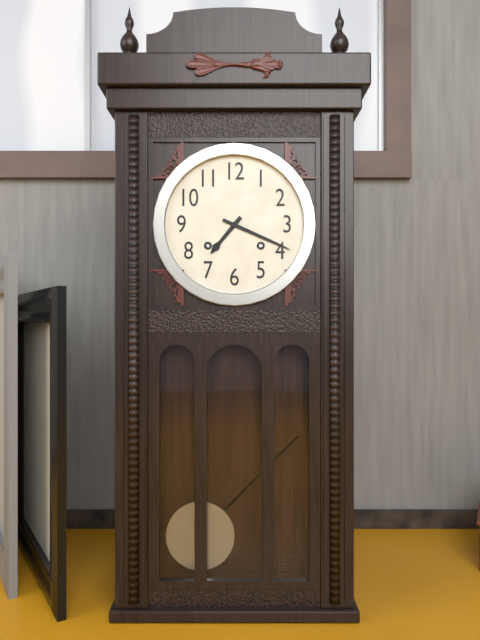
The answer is 7h19
